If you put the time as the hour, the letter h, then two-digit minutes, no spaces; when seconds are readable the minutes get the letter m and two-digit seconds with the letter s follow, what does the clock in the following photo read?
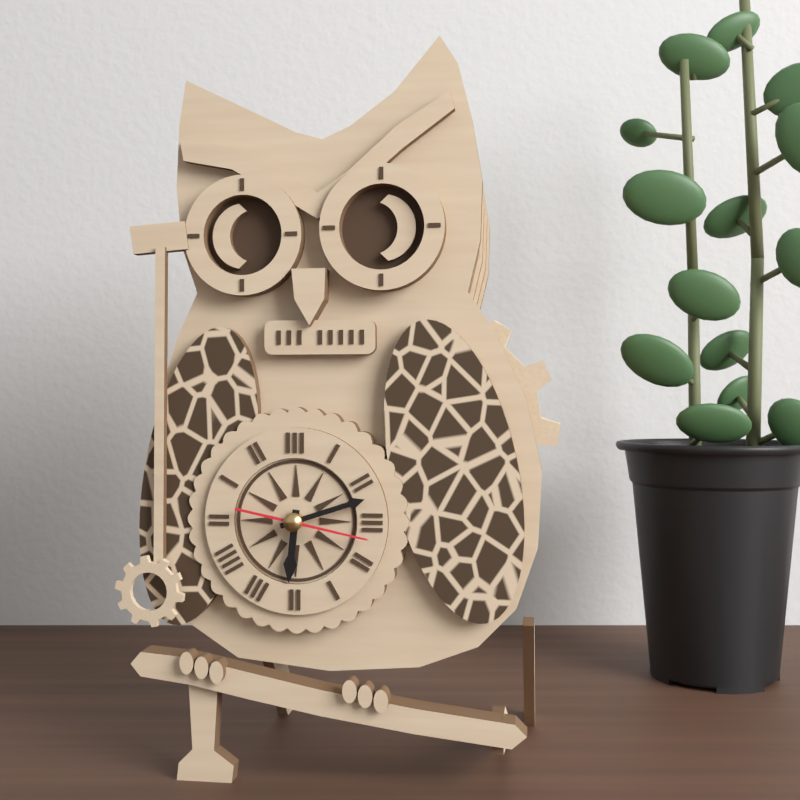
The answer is 6h12m17s
